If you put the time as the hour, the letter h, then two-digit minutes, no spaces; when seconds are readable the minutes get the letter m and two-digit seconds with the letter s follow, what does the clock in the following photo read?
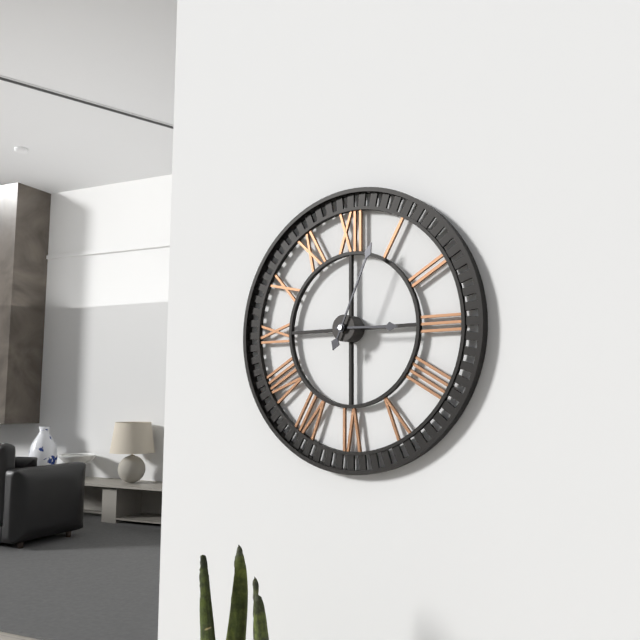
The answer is 3h04
